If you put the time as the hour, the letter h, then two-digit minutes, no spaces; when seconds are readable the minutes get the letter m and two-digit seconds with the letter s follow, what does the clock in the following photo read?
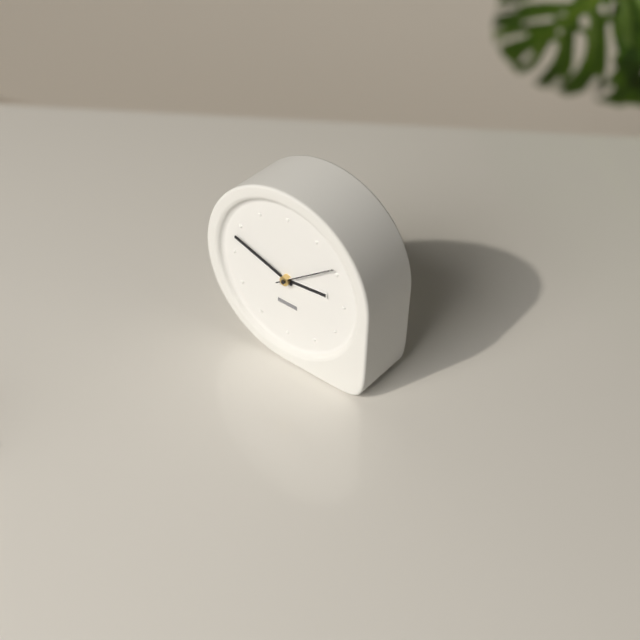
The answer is 2h48m09s
